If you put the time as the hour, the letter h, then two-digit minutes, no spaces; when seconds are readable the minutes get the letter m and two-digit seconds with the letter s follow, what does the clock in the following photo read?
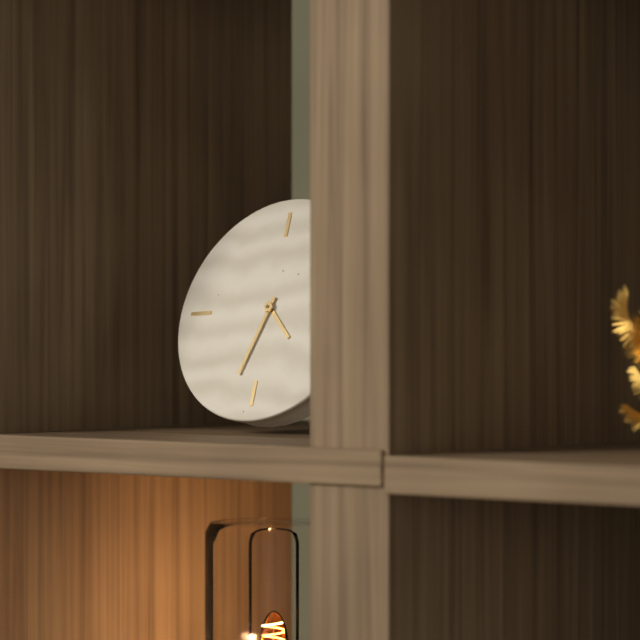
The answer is 4h33
